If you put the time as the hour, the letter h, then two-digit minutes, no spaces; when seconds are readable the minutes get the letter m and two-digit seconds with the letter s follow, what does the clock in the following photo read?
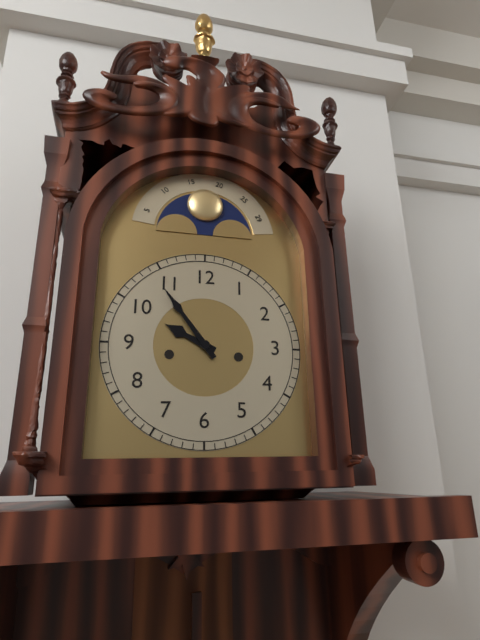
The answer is 9h54
